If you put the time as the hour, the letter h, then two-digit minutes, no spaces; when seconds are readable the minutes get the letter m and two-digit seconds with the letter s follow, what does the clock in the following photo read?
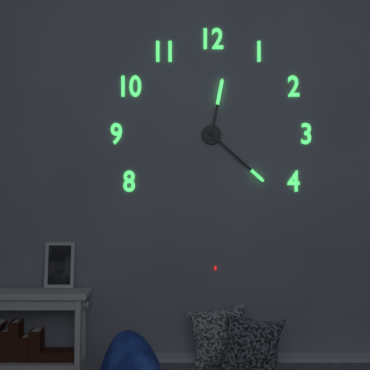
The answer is 12h22
